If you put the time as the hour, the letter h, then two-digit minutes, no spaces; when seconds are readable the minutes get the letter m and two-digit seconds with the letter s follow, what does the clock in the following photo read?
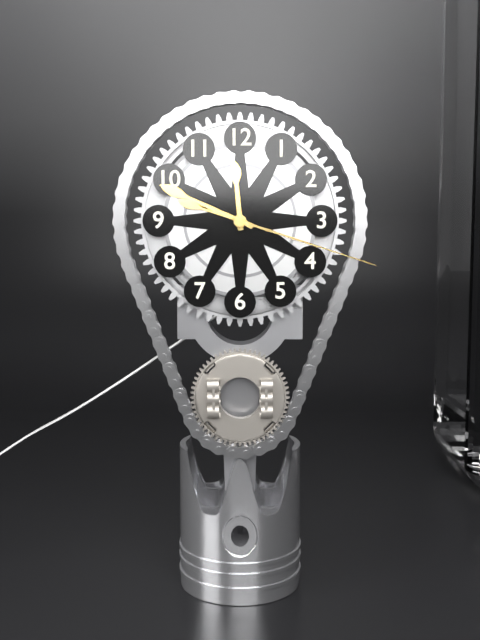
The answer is 11h49m18s
